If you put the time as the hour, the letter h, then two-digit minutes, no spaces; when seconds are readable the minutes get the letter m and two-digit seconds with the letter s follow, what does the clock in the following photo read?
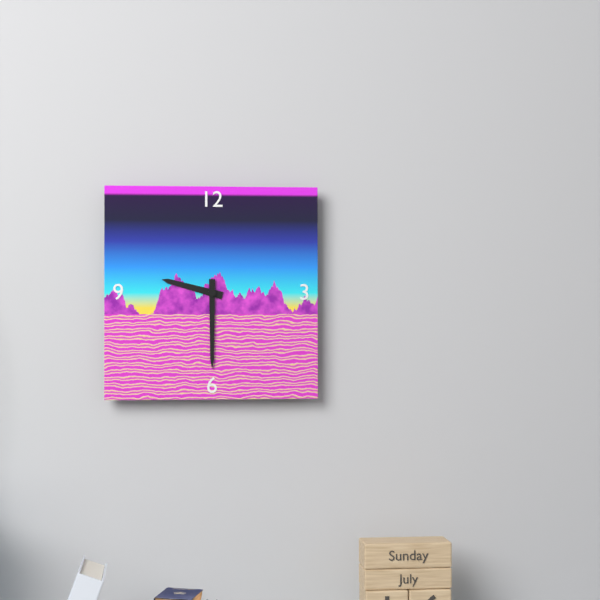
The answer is 9h30
